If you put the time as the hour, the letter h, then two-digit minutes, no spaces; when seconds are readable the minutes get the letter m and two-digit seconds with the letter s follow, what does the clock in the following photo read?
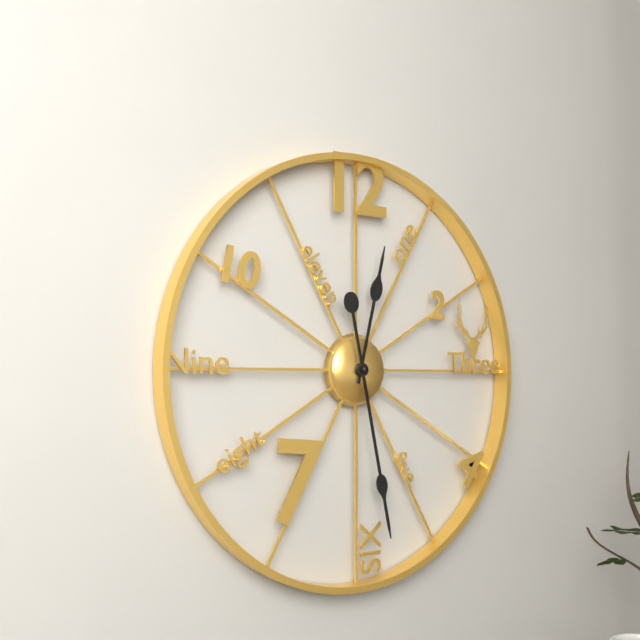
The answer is 12h28
